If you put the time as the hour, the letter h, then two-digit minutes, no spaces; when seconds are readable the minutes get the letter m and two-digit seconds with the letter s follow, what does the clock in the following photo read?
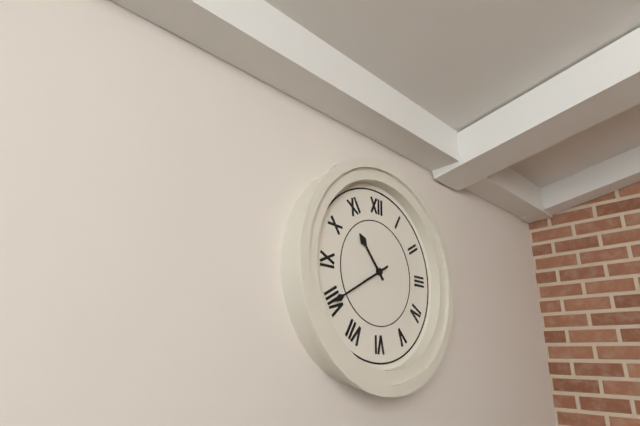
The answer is 10h40
